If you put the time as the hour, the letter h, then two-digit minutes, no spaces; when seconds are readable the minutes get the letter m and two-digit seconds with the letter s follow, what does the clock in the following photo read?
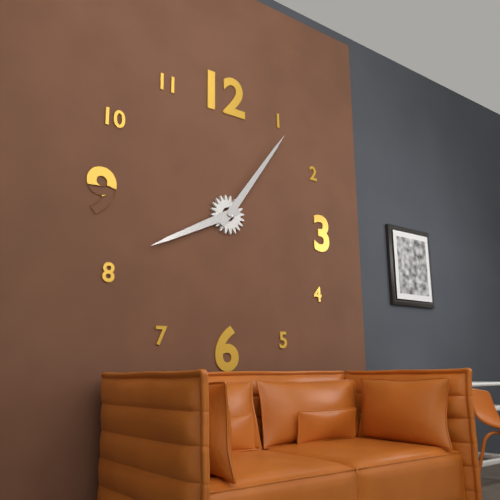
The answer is 8h06
